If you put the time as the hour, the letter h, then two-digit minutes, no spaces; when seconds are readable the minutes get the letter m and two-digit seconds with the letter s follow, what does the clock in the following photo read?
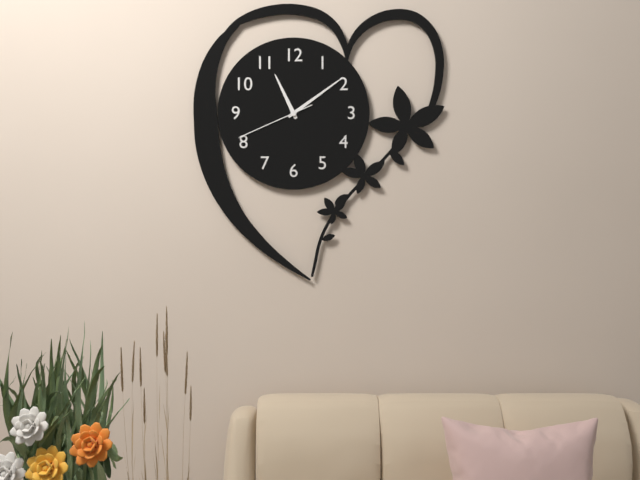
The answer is 11h09m41s
